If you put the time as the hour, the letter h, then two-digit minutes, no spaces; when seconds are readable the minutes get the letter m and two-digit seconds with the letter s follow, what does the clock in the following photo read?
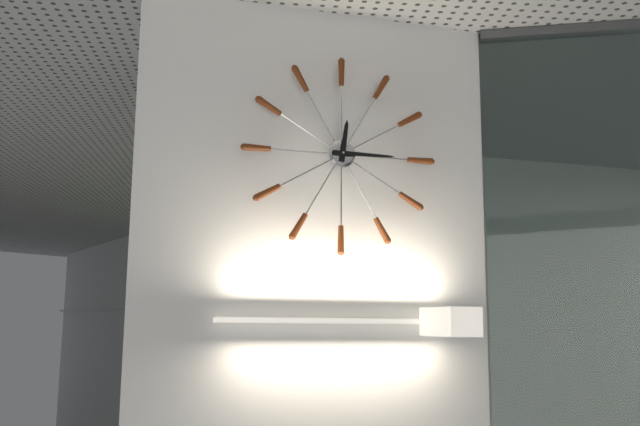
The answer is 12h15
